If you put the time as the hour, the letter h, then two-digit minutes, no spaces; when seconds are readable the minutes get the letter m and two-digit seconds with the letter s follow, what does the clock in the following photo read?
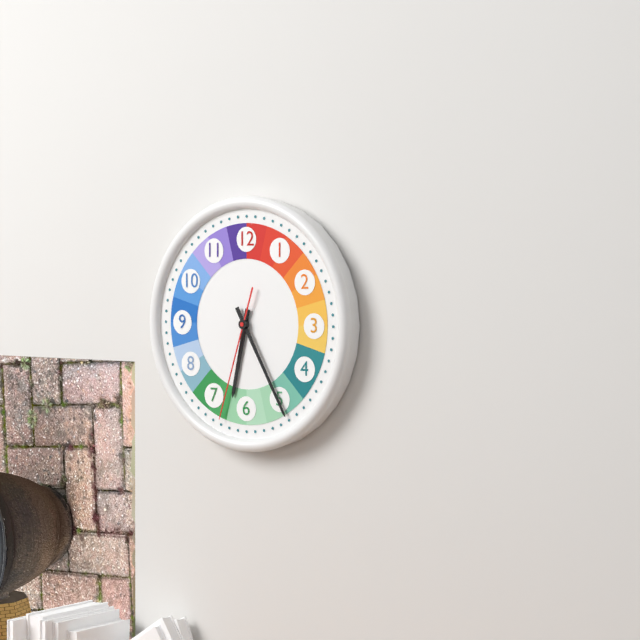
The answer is 6h25m33s
